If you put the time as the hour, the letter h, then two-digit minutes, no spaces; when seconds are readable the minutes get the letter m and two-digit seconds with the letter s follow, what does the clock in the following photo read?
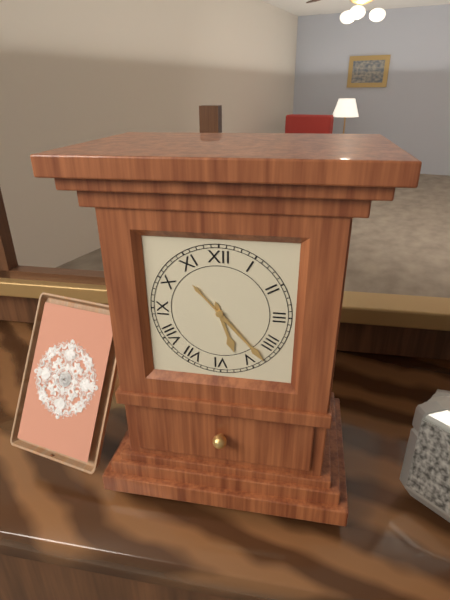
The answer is 5h23
